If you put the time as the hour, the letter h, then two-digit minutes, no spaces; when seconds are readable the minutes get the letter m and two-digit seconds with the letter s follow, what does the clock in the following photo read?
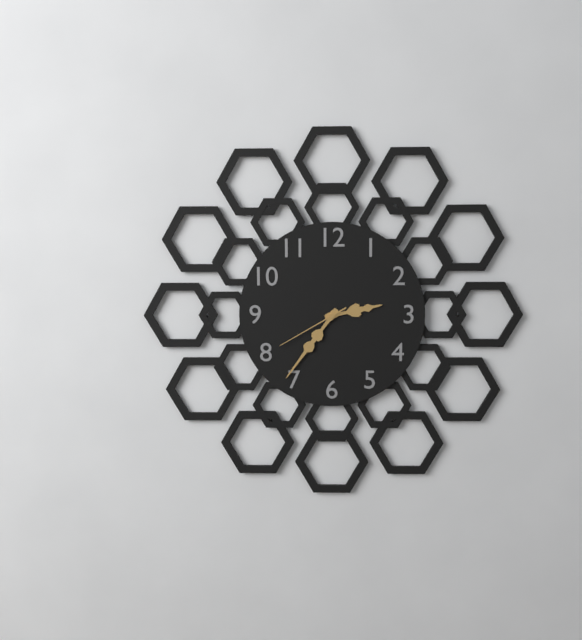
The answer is 2h36m40s
